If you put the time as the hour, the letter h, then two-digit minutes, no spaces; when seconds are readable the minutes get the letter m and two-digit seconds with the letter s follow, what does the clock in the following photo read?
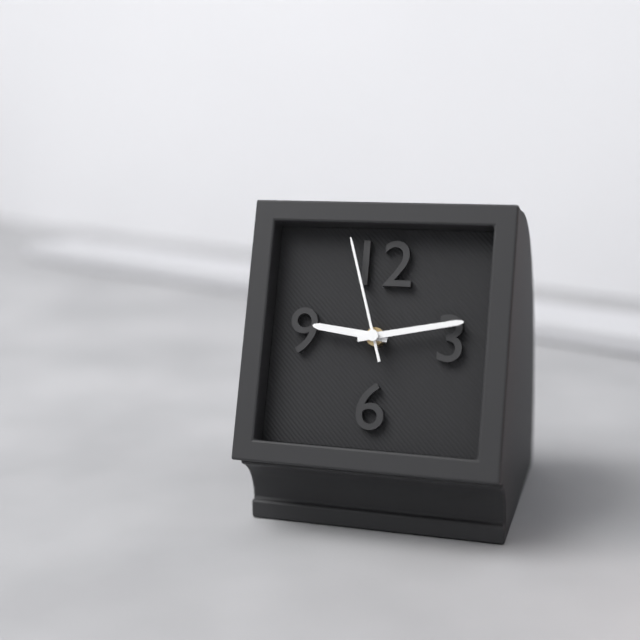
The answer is 9h13m57s
